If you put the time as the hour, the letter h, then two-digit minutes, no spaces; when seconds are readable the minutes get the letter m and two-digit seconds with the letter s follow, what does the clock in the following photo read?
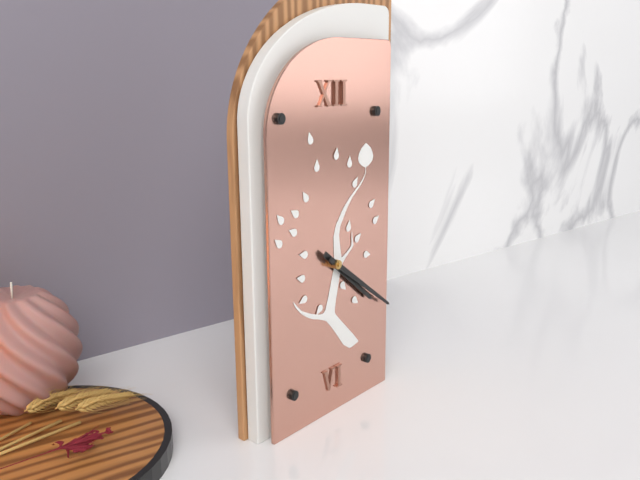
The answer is 4h21
